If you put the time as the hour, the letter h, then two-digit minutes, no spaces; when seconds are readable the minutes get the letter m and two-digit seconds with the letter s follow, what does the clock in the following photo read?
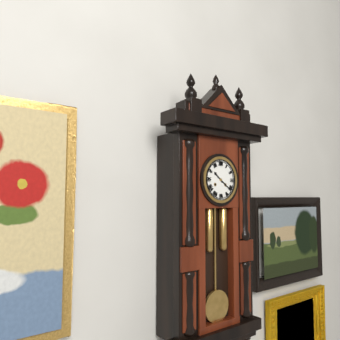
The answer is 10h21
